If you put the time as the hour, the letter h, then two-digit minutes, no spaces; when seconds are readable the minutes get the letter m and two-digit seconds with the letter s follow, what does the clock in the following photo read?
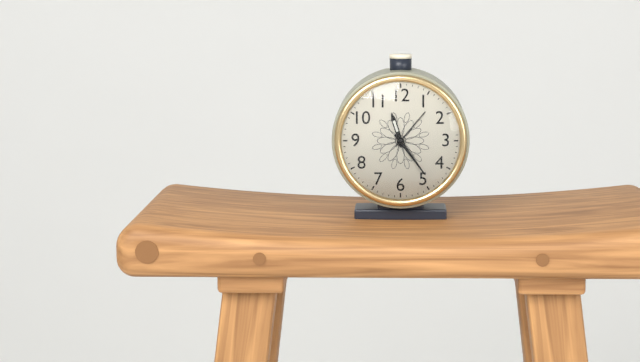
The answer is 11h24
